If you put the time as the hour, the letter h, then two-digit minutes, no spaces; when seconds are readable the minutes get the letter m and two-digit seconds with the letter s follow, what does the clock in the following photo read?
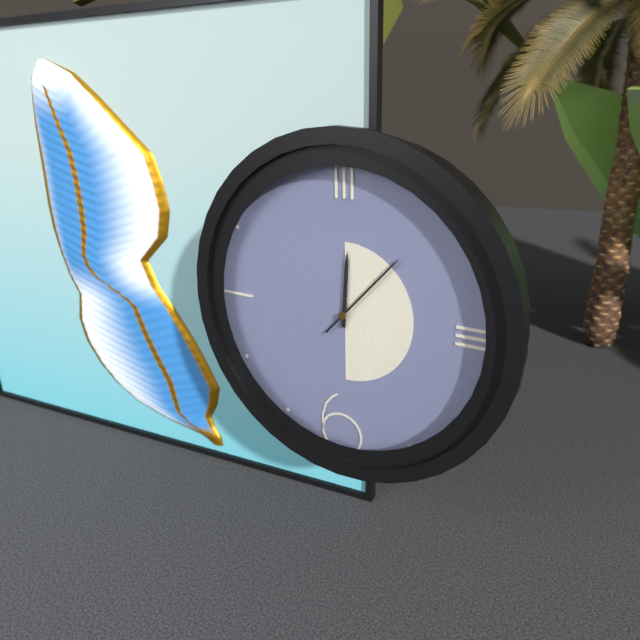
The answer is 12h07
